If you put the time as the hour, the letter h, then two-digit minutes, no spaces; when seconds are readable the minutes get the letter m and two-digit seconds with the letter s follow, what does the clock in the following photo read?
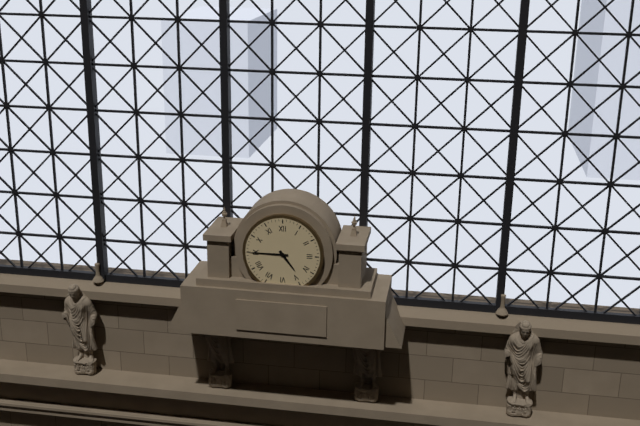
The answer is 4h45
